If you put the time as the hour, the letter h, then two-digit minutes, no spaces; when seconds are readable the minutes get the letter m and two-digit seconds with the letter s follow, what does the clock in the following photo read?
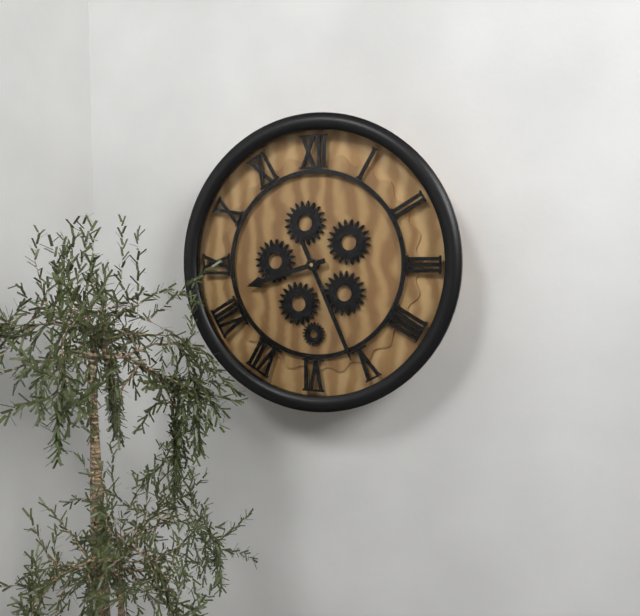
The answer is 8h26
